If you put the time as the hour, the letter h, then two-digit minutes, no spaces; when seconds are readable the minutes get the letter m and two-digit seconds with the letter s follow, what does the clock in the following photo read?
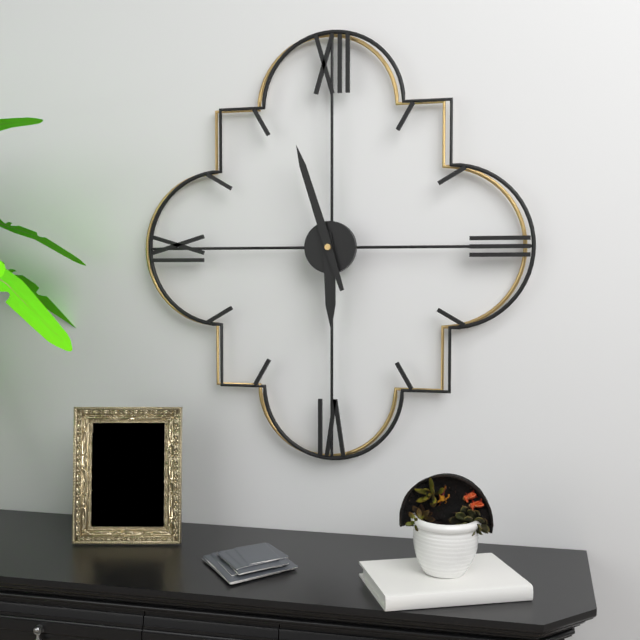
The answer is 5h57
